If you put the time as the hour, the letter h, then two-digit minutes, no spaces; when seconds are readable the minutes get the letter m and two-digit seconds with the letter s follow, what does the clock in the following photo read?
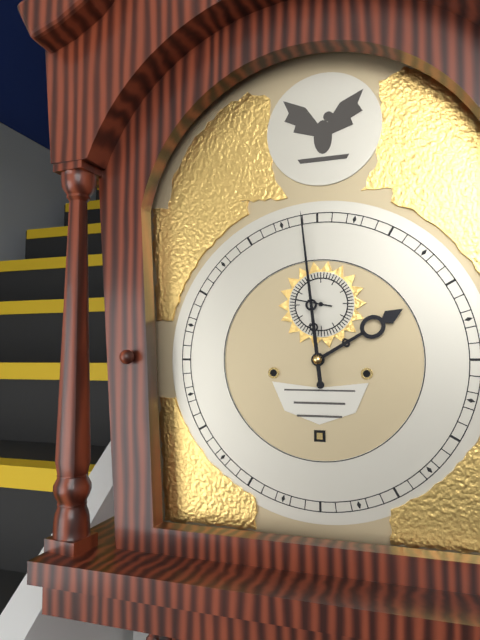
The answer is 1h59
